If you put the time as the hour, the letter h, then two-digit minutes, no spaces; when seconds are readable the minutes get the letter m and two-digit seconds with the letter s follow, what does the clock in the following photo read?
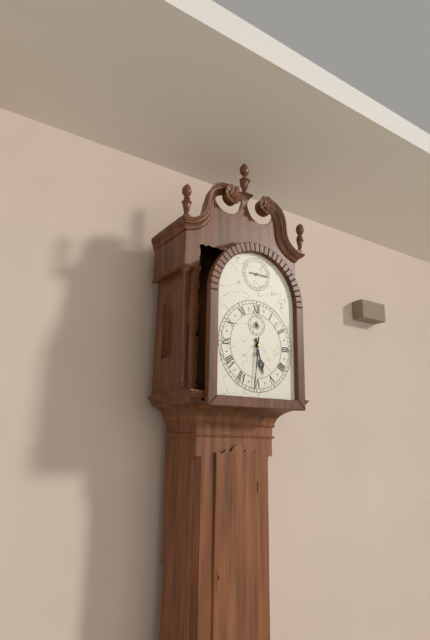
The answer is 5h31
